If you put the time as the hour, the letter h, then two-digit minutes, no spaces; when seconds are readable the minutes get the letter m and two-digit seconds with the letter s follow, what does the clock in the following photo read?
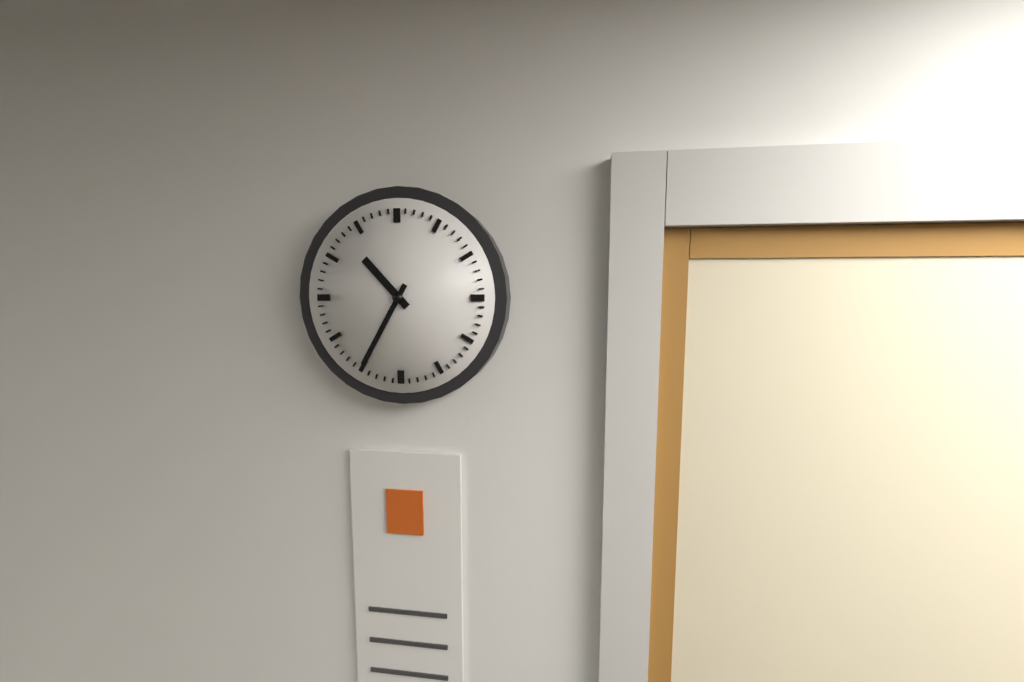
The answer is 10h35
